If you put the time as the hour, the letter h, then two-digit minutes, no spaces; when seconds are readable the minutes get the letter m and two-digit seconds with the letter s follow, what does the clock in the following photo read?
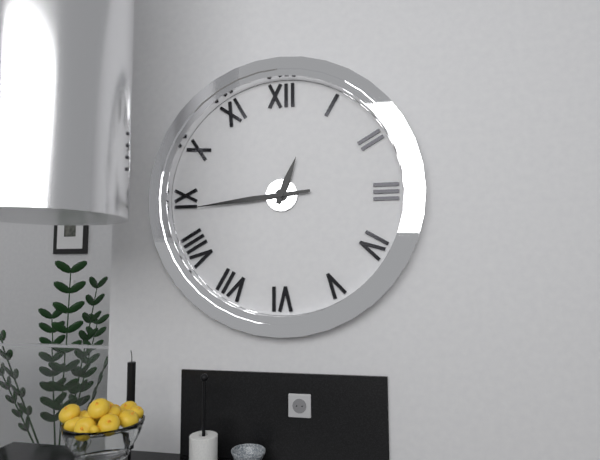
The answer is 12h44
